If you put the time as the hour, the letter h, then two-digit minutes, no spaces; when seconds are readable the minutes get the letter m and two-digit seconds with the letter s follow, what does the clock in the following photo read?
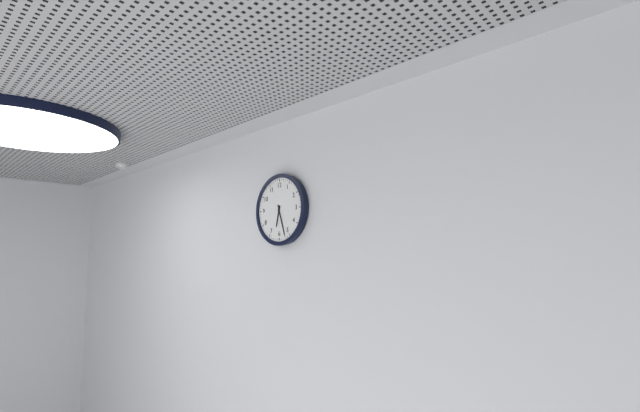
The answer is 6h27
